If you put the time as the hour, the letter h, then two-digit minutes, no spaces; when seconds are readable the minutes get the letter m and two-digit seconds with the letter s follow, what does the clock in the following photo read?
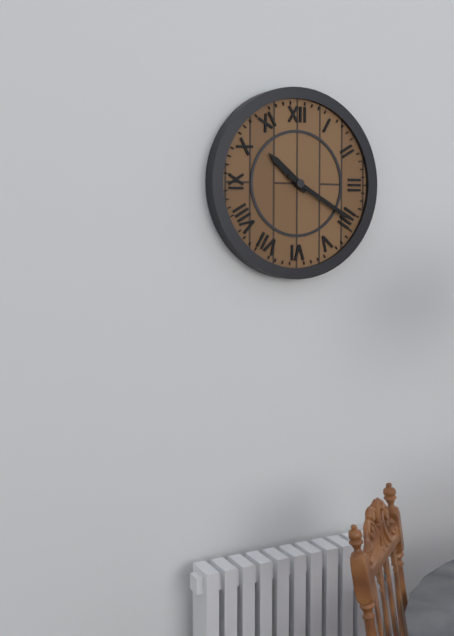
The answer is 10h20
